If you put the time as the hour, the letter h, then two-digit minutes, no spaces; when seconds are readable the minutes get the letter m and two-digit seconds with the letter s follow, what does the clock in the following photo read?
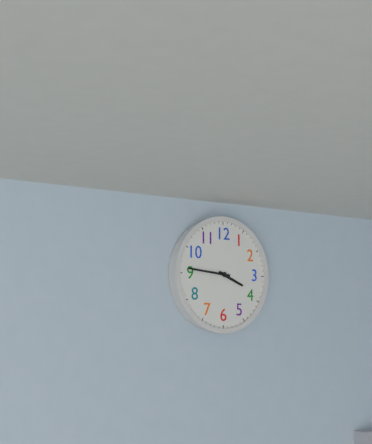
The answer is 3h46
